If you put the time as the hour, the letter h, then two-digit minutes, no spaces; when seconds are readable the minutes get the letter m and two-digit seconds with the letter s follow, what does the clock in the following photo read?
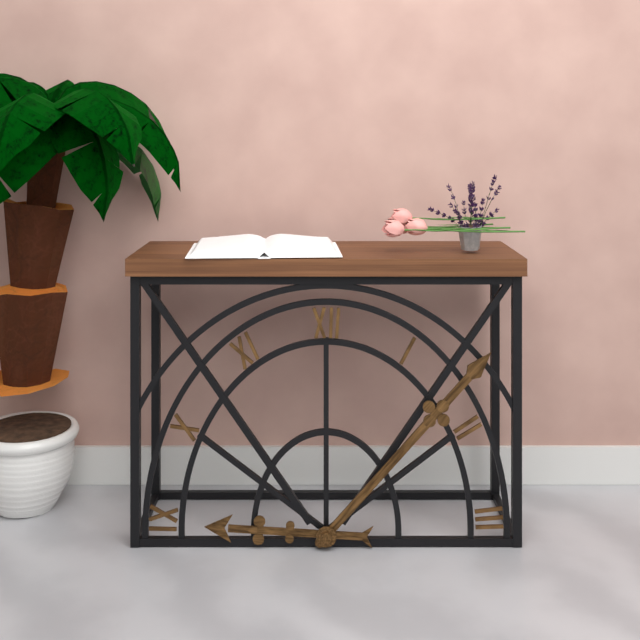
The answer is 9h07
